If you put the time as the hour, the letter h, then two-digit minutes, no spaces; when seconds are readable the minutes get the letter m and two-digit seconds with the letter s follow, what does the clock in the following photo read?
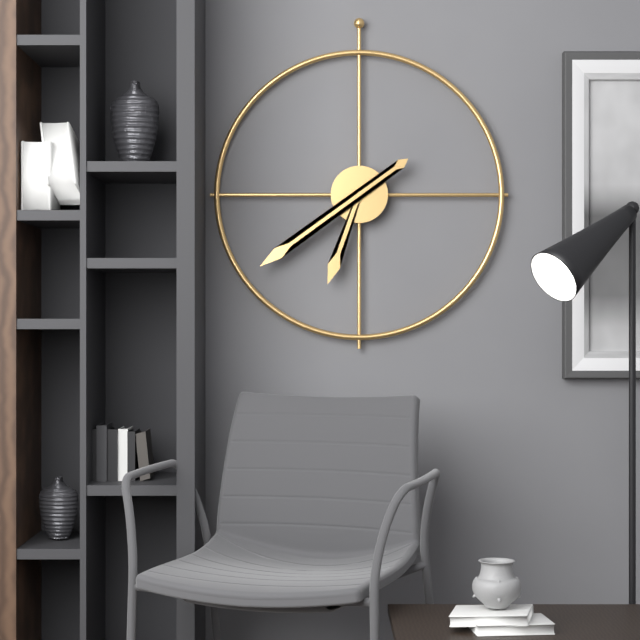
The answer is 6h39
